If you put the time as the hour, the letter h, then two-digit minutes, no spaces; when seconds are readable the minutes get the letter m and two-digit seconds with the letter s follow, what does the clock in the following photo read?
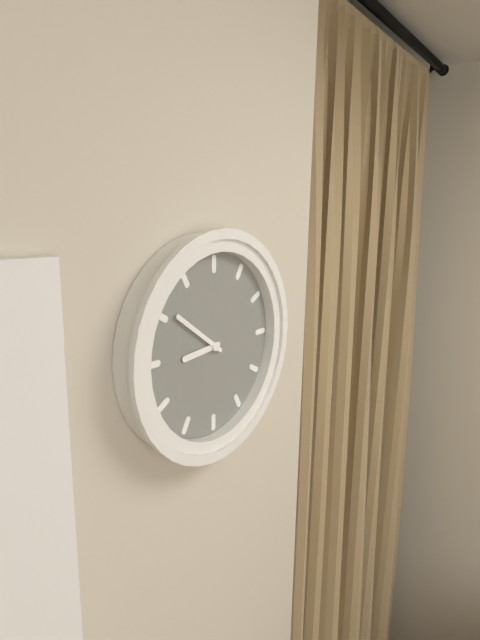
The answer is 8h51
